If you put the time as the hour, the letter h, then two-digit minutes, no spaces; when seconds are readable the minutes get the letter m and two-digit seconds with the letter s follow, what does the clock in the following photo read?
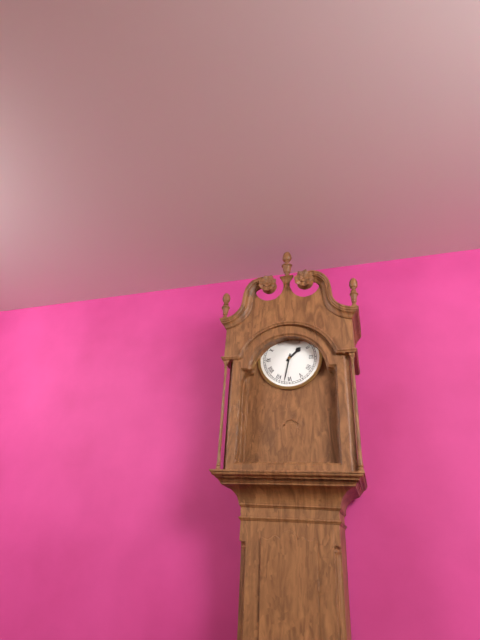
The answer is 1h32
